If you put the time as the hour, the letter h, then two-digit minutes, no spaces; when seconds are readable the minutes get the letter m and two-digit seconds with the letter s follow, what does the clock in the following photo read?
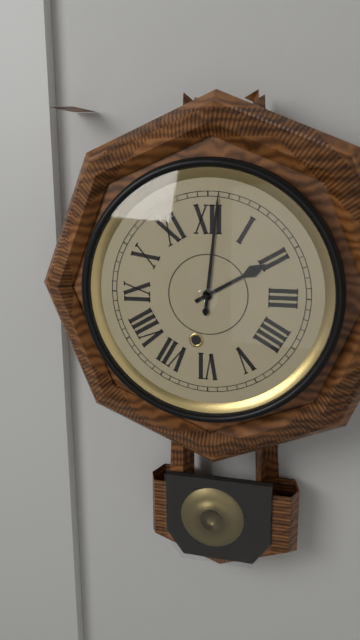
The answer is 2h01
